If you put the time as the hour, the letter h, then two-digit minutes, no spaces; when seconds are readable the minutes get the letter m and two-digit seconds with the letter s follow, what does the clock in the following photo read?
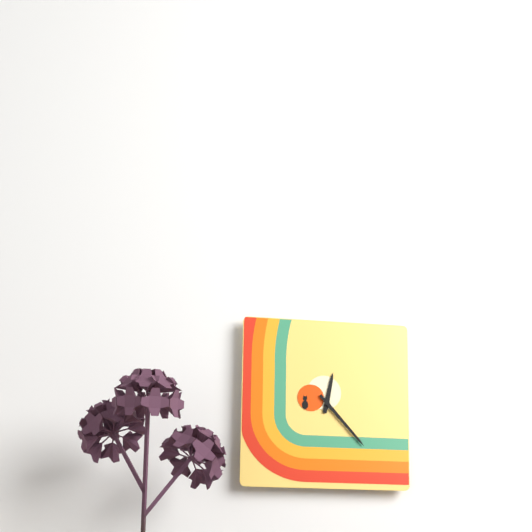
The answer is 12h23
